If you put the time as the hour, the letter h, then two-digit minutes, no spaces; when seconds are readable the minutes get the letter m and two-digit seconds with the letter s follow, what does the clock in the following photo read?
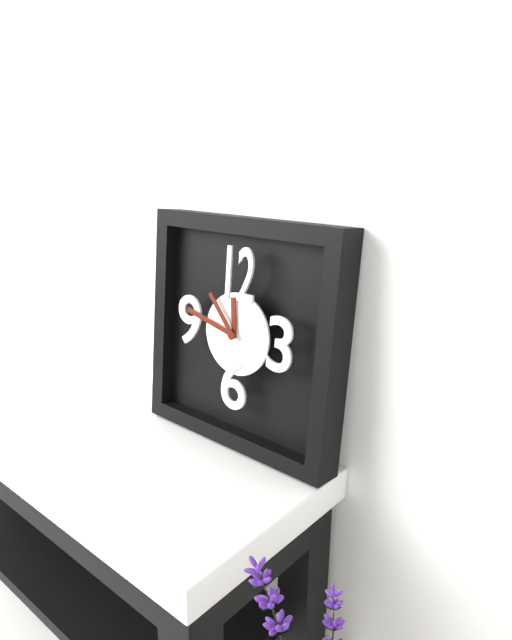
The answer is 11h47m53s
